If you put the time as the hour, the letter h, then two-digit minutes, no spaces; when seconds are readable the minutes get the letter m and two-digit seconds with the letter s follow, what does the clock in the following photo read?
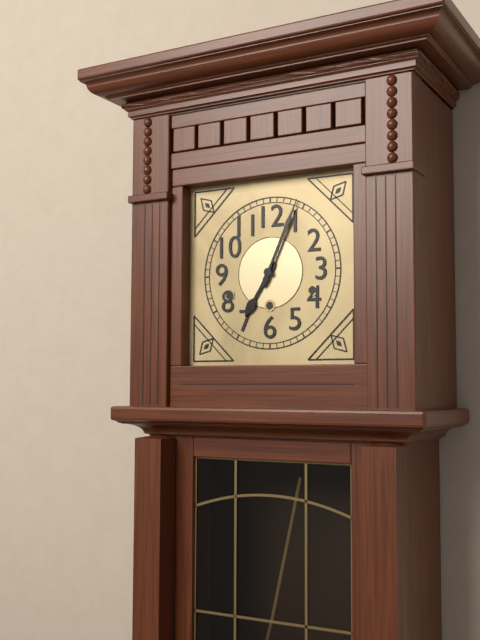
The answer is 7h04
